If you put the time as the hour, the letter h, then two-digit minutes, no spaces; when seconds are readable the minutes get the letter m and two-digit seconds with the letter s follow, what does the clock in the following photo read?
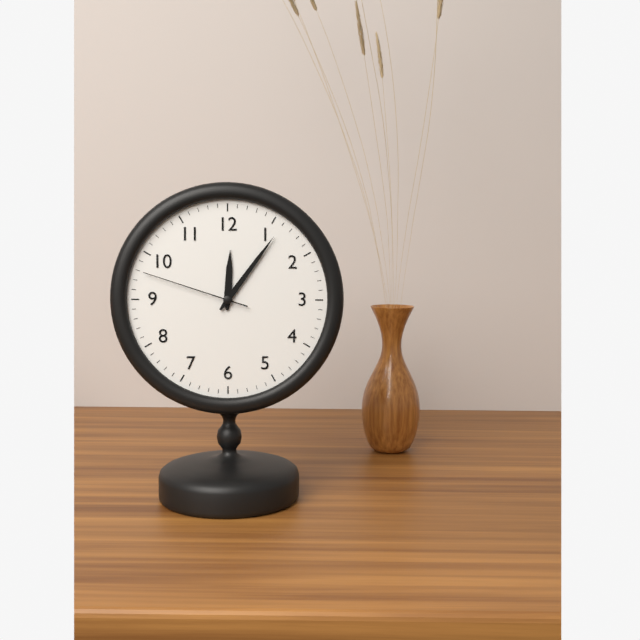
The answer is 12h06m48s
